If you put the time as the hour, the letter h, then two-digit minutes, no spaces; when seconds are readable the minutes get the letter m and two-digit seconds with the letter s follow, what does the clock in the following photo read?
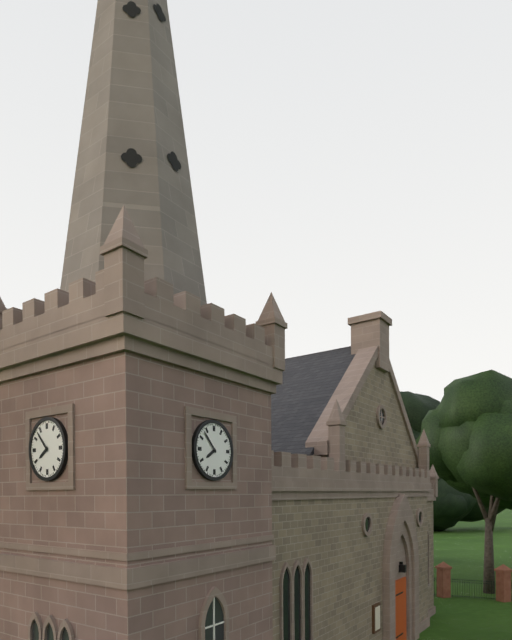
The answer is 7h53
